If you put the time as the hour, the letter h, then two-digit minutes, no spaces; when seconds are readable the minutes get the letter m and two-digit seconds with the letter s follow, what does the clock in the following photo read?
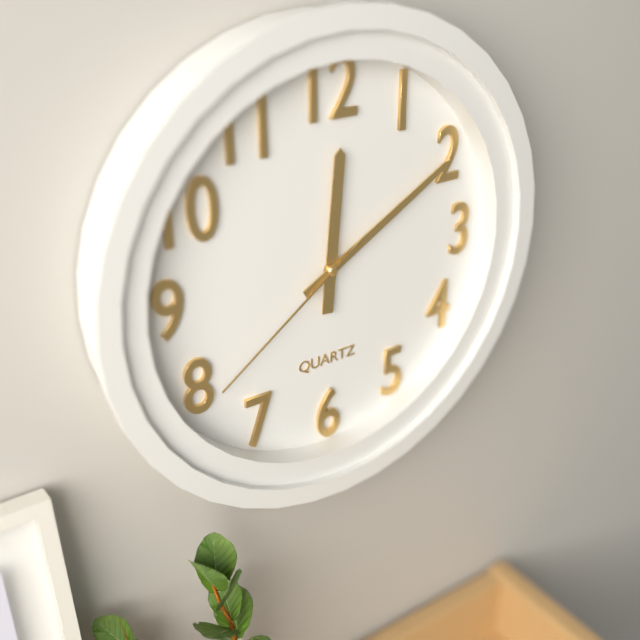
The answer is 12h10m39s
